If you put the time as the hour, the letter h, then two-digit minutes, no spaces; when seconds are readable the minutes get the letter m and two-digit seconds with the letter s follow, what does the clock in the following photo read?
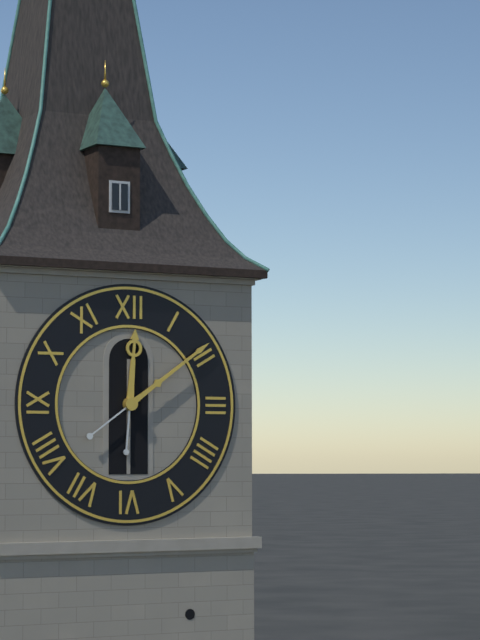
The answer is 12h09
